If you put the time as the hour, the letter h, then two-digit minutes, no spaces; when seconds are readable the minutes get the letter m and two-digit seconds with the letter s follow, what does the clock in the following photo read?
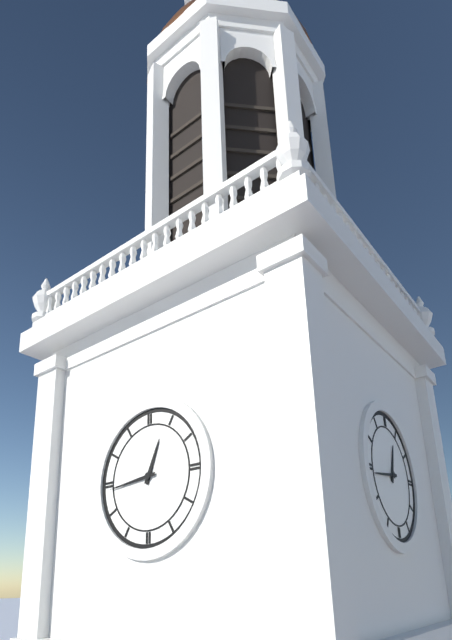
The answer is 12h44
